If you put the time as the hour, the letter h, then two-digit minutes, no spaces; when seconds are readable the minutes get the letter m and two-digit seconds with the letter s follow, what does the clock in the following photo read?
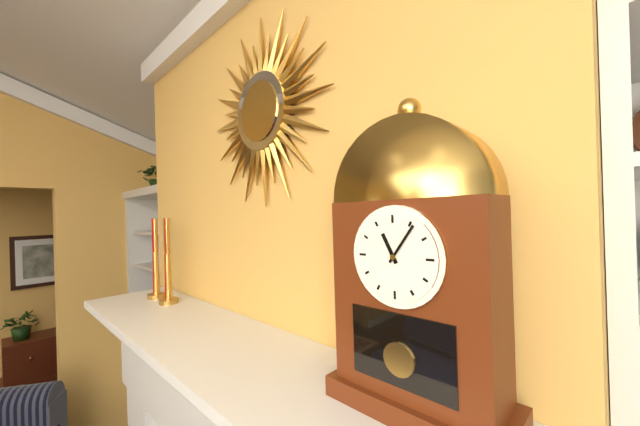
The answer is 11h06
